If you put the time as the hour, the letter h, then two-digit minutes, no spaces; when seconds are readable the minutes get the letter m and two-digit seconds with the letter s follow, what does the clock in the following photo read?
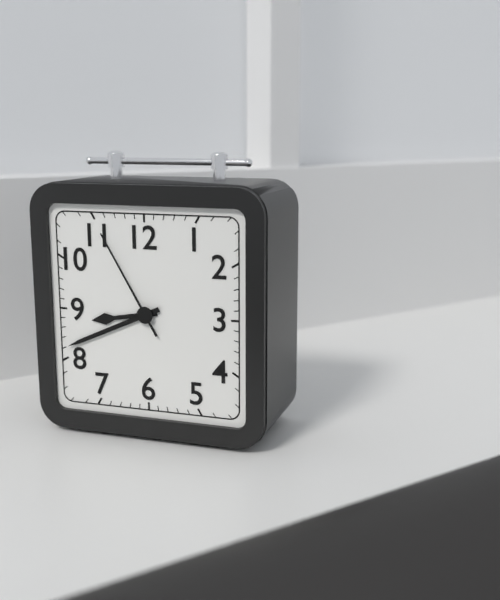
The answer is 8h41m55s
